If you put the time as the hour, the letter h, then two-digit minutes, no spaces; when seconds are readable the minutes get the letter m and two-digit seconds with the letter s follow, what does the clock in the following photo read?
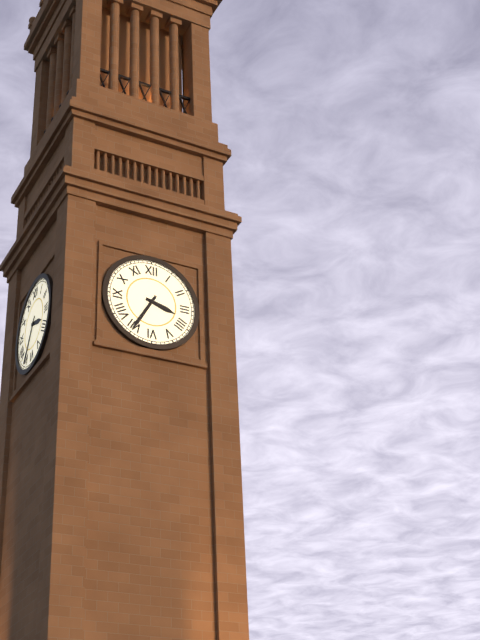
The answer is 3h35
